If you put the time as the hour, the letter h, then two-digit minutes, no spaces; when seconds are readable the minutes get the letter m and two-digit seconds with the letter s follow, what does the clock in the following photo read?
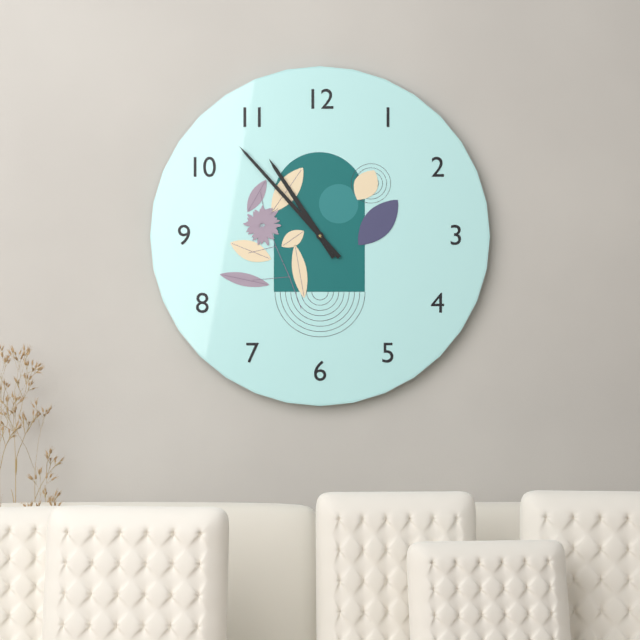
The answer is 10h53
